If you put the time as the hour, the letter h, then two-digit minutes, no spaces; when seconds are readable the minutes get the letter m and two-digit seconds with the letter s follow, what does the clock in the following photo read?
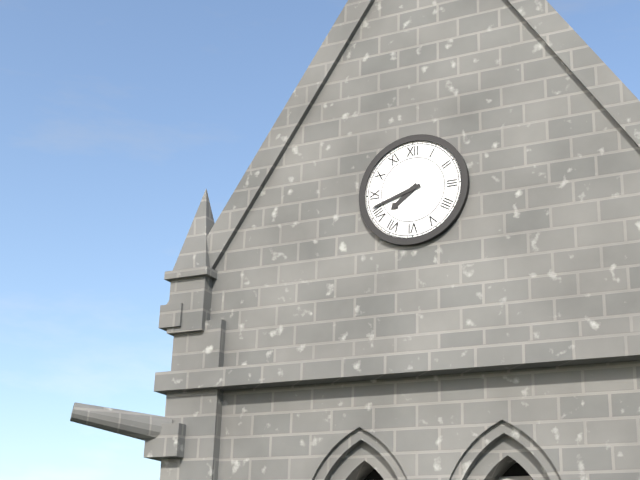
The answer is 7h42
